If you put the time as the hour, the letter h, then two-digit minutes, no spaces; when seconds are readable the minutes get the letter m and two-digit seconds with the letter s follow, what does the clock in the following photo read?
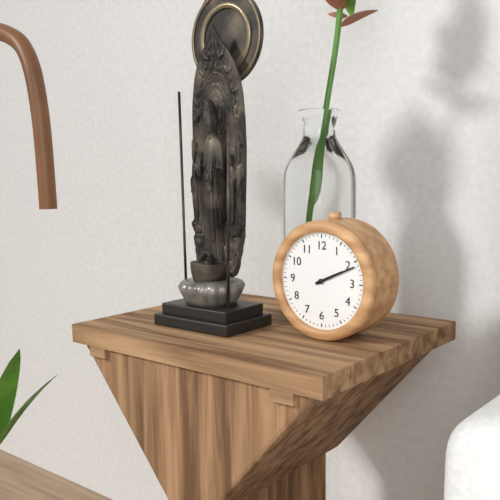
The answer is 2h11
